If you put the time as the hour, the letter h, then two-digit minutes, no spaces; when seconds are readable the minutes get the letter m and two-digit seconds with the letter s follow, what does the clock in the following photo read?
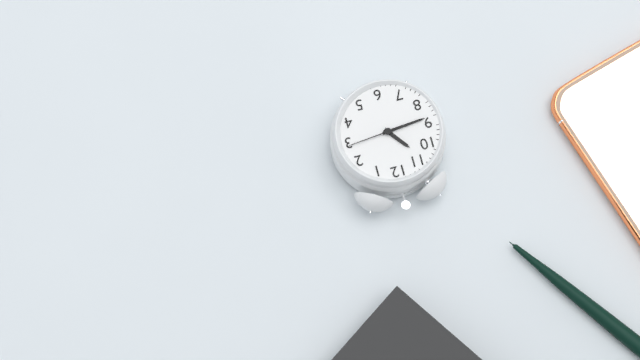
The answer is 10h44m14s
